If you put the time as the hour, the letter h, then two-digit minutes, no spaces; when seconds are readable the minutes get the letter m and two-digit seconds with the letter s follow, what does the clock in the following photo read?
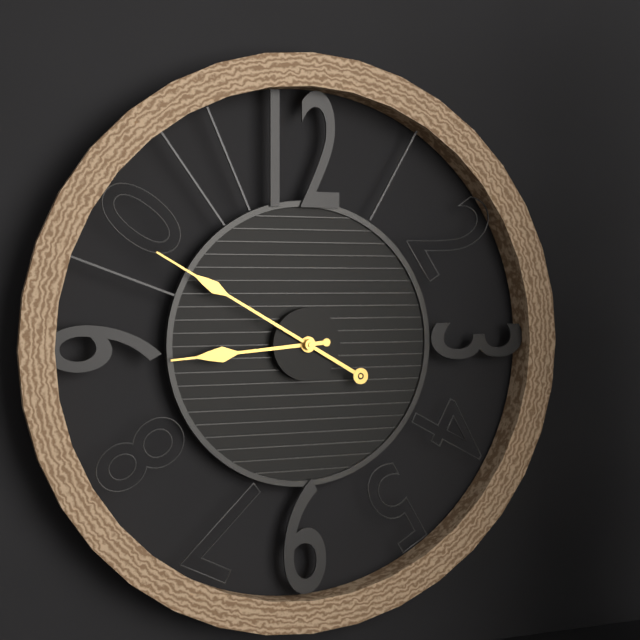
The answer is 8h50
